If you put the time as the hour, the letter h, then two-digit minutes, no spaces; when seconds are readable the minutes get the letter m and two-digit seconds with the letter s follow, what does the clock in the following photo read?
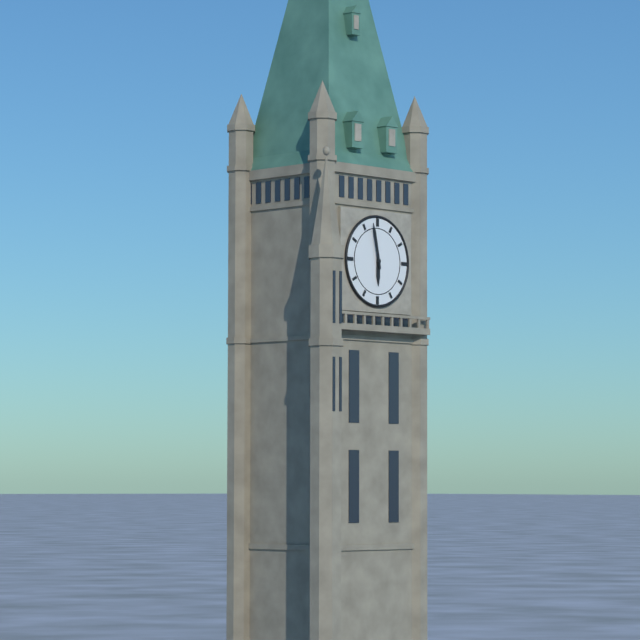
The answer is 5h58
